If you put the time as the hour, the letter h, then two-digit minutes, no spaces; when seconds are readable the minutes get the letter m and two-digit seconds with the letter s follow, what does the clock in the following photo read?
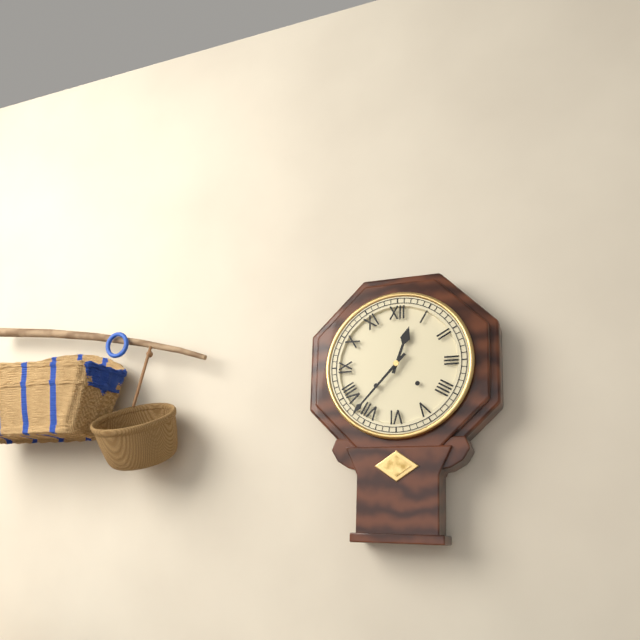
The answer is 12h37
